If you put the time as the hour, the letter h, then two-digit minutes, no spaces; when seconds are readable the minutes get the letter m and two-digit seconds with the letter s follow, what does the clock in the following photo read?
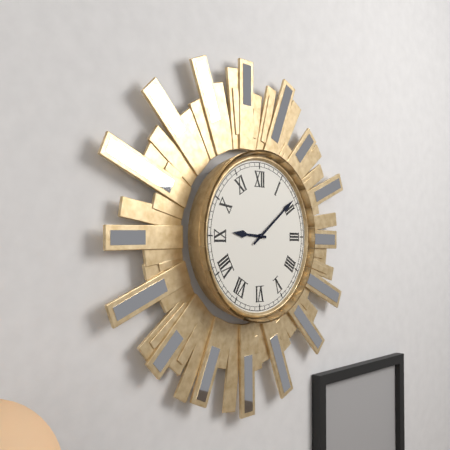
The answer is 9h09
